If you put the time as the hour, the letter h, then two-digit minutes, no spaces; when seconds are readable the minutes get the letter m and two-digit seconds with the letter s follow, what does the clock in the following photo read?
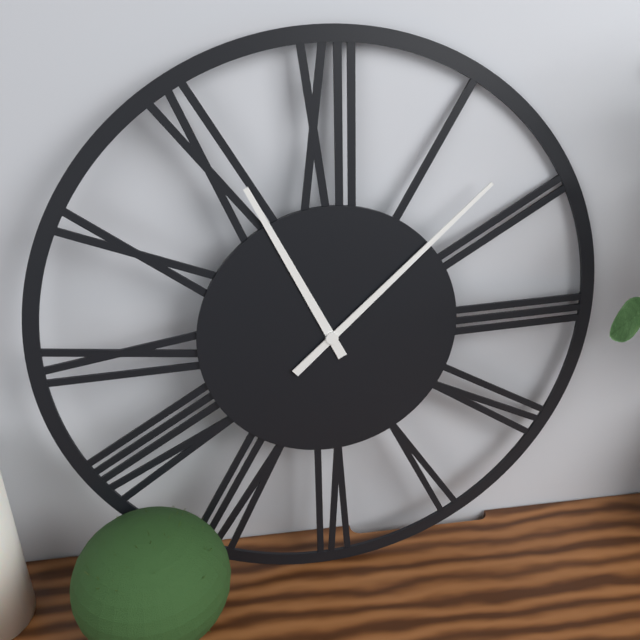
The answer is 11h08
